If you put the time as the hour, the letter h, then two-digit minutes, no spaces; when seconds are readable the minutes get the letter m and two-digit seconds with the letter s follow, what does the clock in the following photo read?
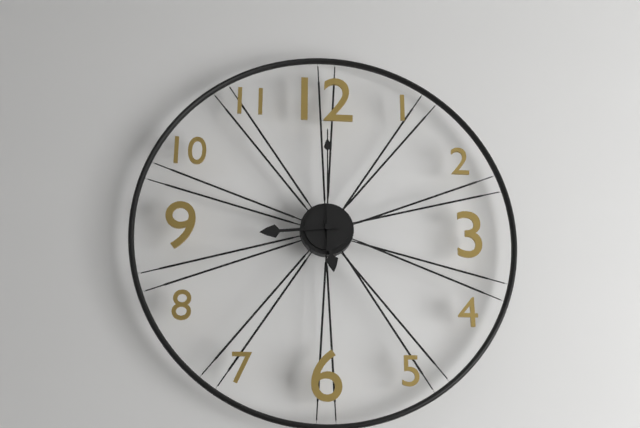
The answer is 5h44m00s
